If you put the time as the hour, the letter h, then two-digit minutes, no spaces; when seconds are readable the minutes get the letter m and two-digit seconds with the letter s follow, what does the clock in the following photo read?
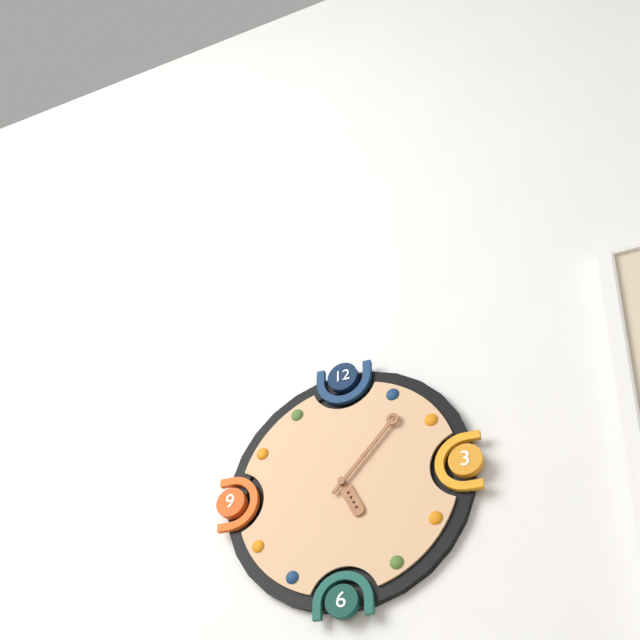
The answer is 5h07
